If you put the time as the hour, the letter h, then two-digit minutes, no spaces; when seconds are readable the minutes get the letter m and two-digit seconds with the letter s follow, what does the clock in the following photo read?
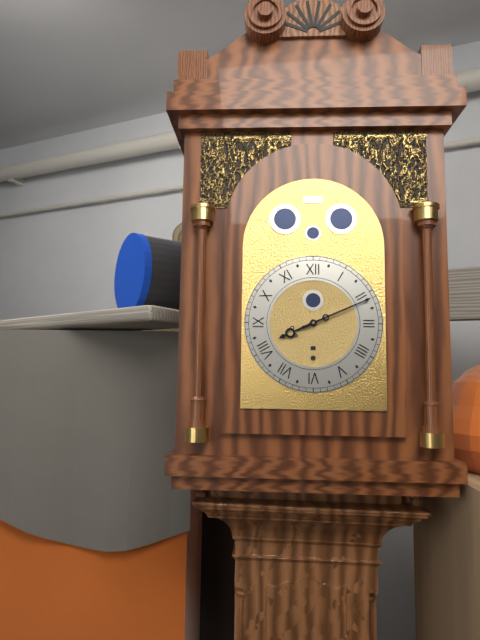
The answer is 8h11
